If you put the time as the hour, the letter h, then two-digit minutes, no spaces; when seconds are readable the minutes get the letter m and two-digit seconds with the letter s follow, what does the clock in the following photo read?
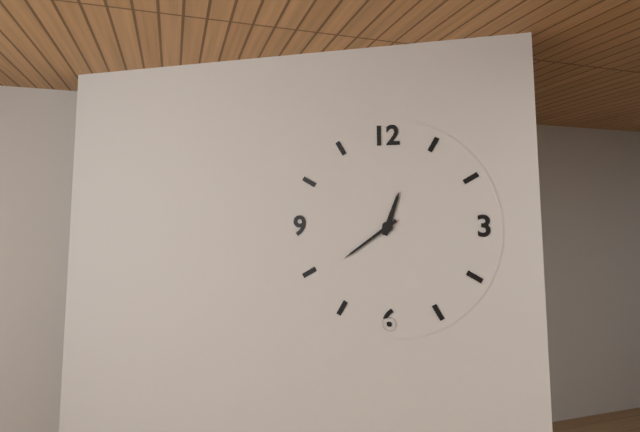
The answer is 12h39
